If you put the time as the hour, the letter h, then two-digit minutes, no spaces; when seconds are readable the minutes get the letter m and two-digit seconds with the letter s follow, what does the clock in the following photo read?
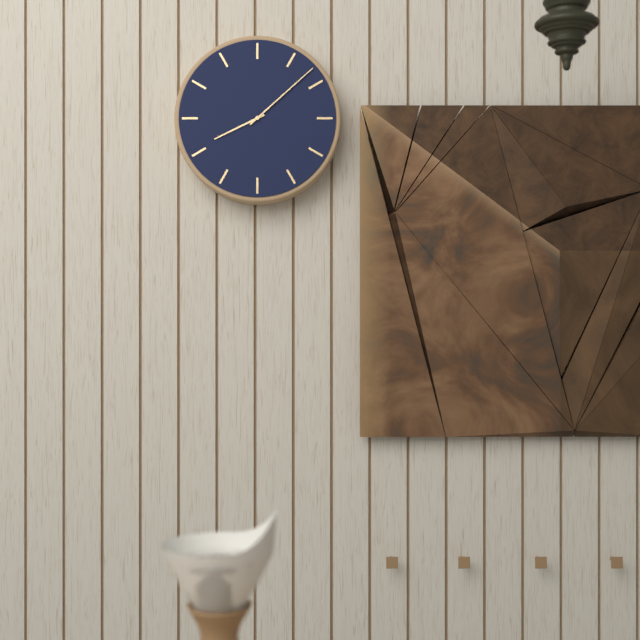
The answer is 8h08
